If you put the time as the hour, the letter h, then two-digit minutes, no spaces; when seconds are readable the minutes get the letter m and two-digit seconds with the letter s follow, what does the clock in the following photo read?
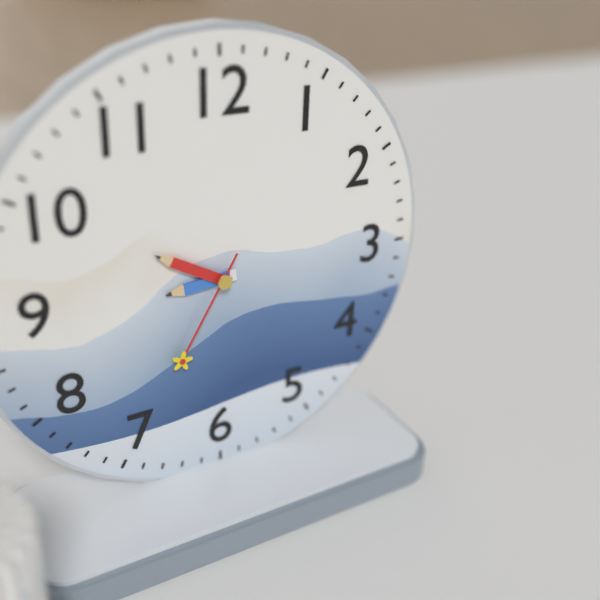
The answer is 8h50m35s
